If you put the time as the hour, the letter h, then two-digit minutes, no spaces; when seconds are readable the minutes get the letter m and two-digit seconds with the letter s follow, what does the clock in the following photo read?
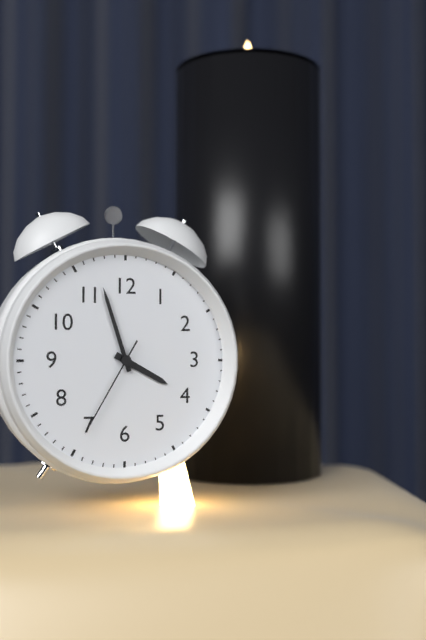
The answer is 3h57m35s
